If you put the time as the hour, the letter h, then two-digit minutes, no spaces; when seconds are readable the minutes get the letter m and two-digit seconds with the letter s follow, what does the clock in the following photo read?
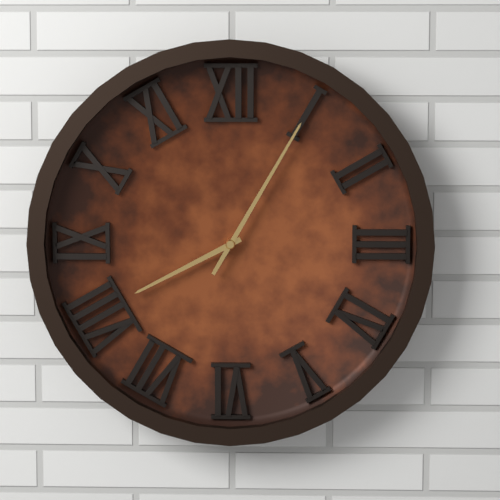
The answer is 8h05
